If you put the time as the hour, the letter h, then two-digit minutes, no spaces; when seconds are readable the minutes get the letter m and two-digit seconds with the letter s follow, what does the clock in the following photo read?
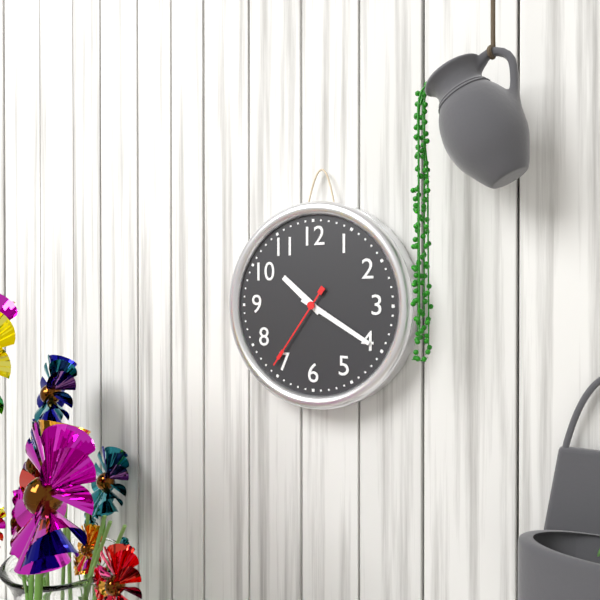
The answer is 10h20m36s
